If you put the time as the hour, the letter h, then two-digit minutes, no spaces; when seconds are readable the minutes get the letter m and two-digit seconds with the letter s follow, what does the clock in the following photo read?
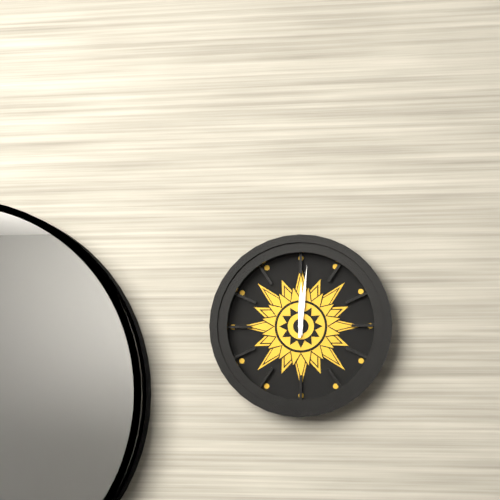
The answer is 12h01
